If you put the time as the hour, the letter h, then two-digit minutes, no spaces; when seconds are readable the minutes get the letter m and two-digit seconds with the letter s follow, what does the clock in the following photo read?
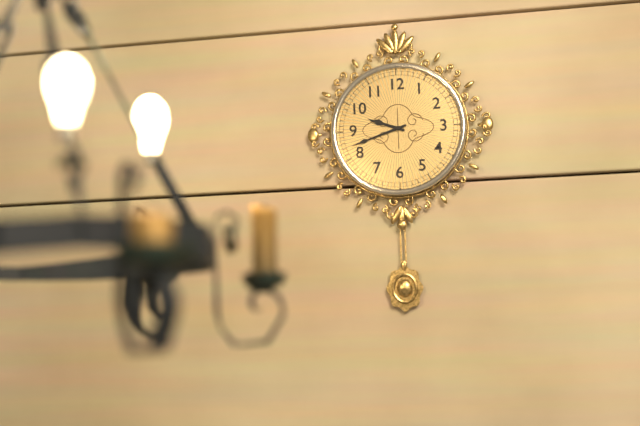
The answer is 9h42
